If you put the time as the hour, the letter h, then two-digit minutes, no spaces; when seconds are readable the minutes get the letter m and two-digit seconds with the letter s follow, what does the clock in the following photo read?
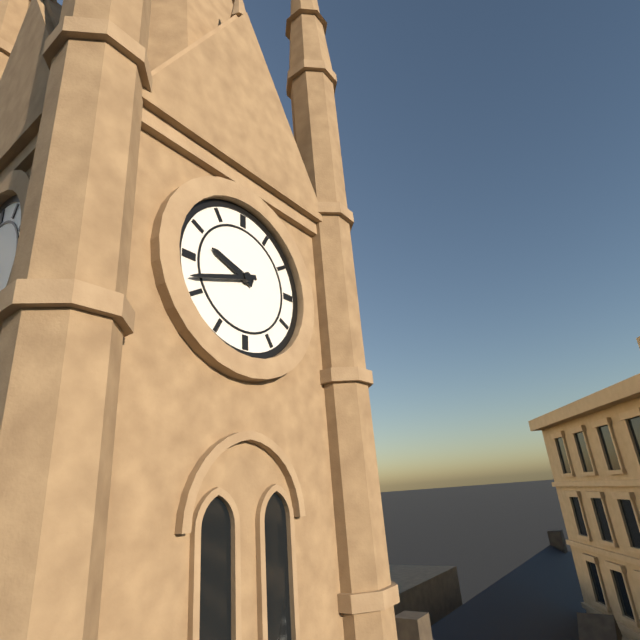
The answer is 9h42
